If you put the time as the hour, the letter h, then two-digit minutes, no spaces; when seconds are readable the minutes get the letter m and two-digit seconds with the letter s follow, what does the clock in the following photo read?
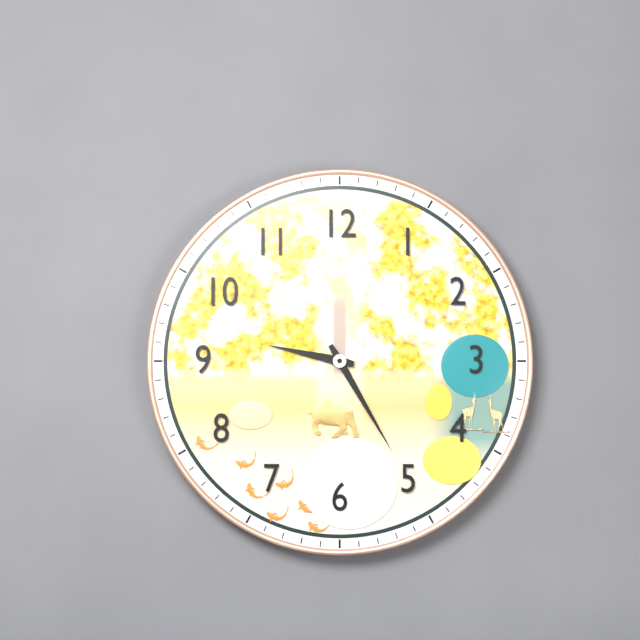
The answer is 9h25
